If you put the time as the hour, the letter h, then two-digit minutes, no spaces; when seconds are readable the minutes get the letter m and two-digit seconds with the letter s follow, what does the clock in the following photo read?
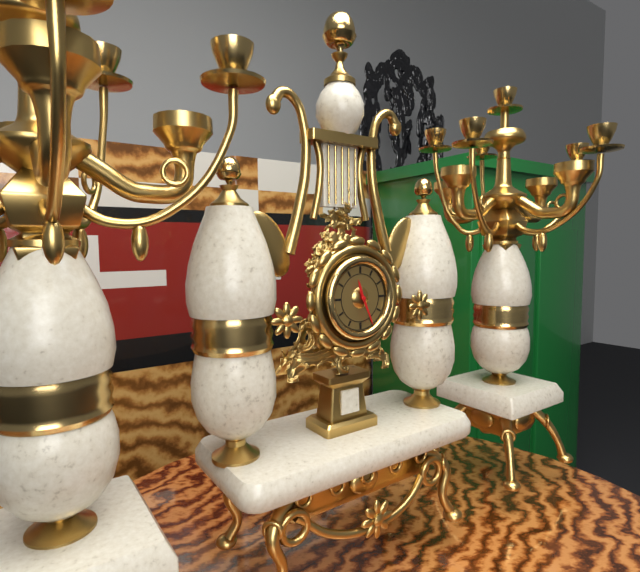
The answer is 11h26
